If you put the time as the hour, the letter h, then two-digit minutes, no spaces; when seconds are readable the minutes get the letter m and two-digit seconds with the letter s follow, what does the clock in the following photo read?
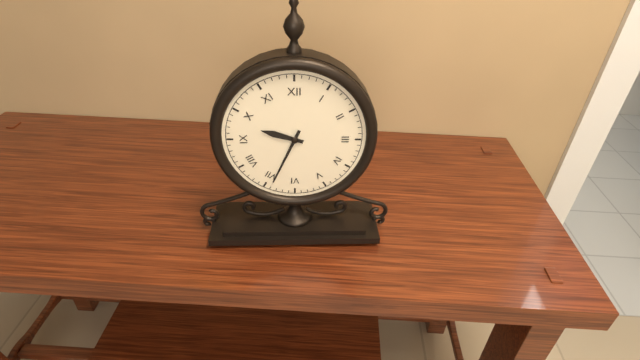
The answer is 9h34
